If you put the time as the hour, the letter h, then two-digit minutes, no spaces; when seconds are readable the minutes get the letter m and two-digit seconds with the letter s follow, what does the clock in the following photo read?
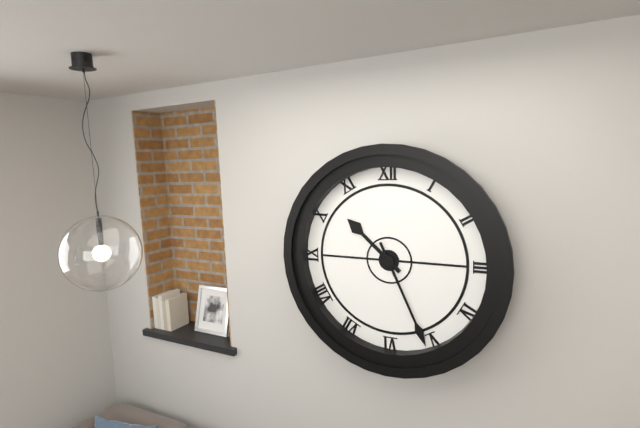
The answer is 10h26
